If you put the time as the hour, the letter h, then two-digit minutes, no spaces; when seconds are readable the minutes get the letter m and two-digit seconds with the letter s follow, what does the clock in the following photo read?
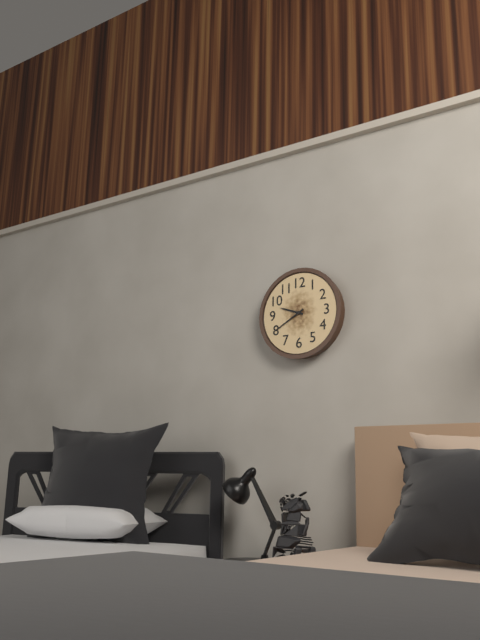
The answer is 9h40
